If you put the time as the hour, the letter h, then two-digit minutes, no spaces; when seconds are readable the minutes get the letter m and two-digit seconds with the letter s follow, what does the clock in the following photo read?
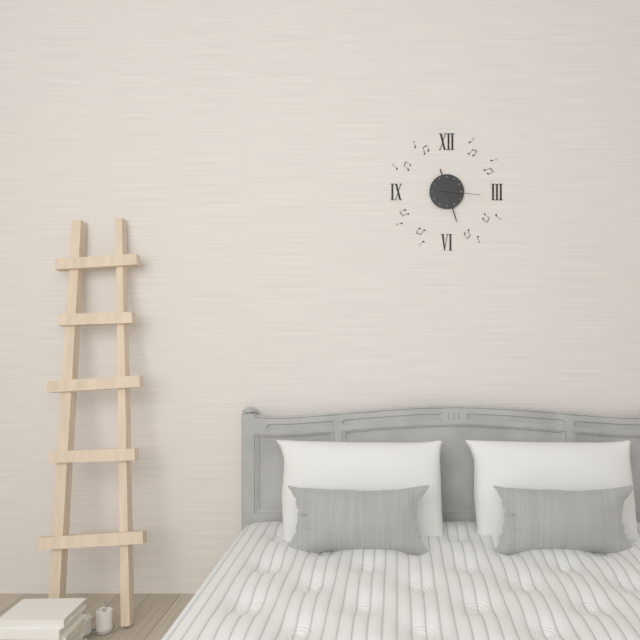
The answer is 11h27
